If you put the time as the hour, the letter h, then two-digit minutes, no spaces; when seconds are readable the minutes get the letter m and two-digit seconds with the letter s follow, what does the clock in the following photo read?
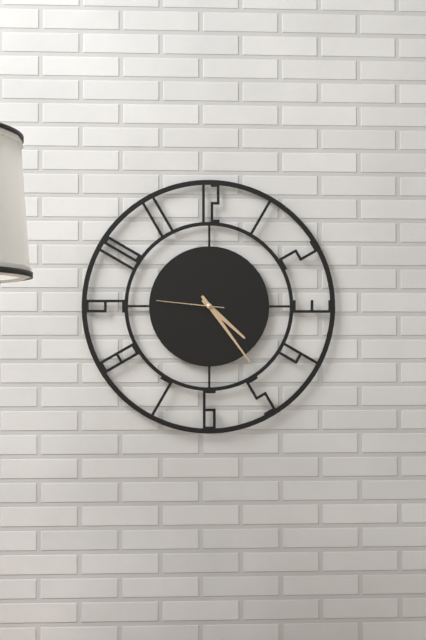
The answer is 4h24m46s
